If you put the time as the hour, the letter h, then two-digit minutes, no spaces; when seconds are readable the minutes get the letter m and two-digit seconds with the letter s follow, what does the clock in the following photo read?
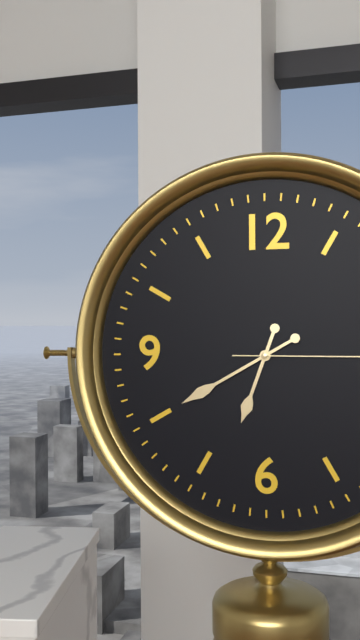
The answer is 6h40
